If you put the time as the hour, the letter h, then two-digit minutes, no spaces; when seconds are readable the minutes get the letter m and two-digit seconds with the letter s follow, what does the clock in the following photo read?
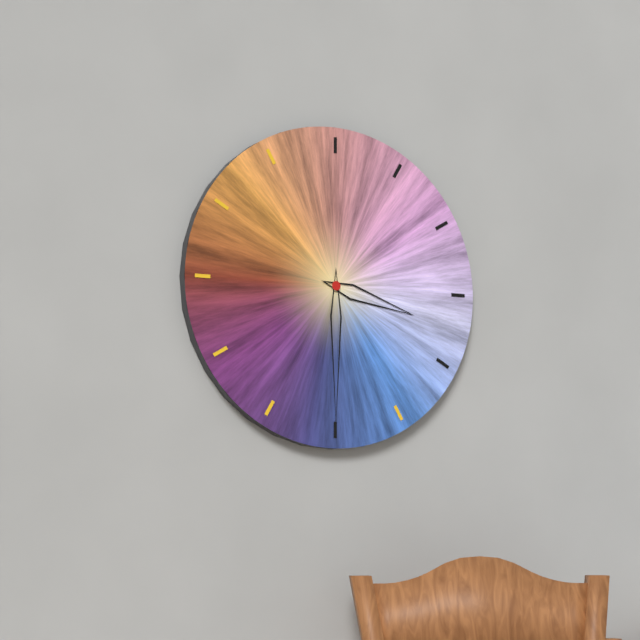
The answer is 3h30
